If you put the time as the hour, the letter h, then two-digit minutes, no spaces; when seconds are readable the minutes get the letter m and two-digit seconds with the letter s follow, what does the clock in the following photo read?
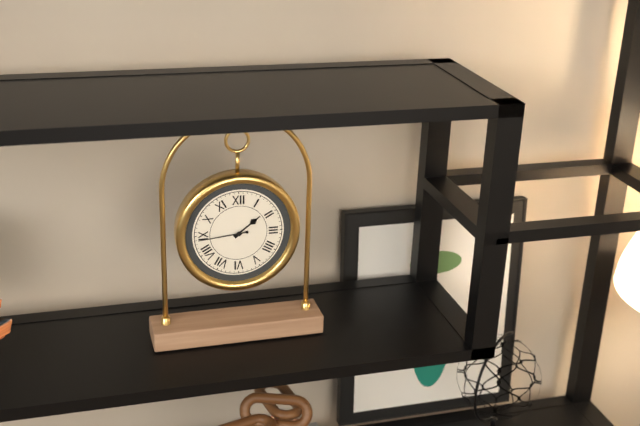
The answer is 1h44
